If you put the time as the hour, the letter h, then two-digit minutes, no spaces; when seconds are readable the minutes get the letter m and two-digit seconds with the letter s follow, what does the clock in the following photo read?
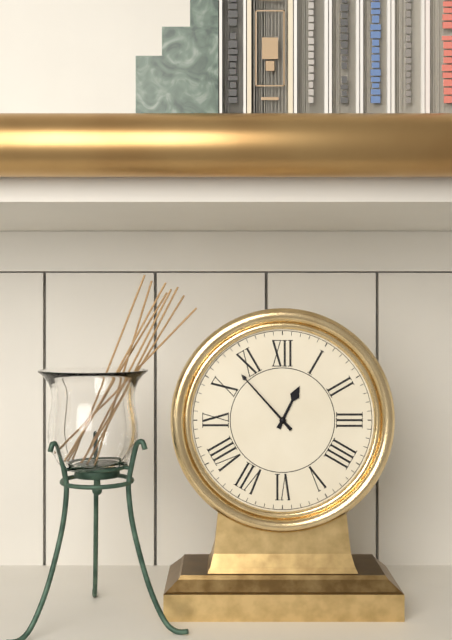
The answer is 12h53
